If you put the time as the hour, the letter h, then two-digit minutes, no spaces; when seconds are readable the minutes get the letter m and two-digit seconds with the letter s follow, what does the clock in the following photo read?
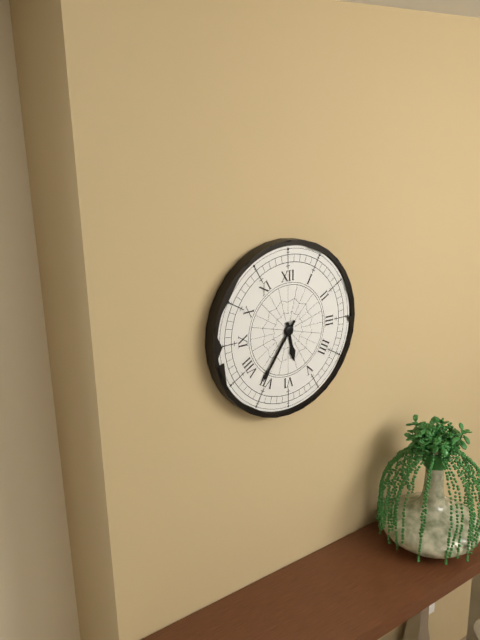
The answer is 5h36
